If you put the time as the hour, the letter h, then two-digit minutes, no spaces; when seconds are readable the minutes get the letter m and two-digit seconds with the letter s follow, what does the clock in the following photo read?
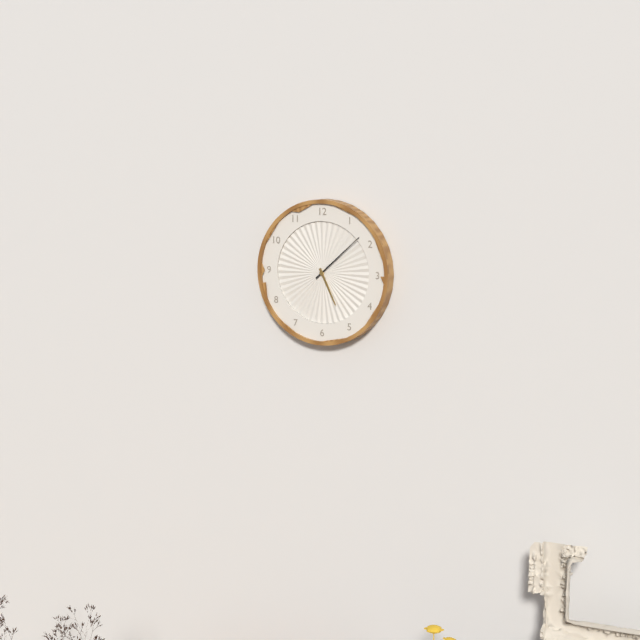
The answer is 5h08
